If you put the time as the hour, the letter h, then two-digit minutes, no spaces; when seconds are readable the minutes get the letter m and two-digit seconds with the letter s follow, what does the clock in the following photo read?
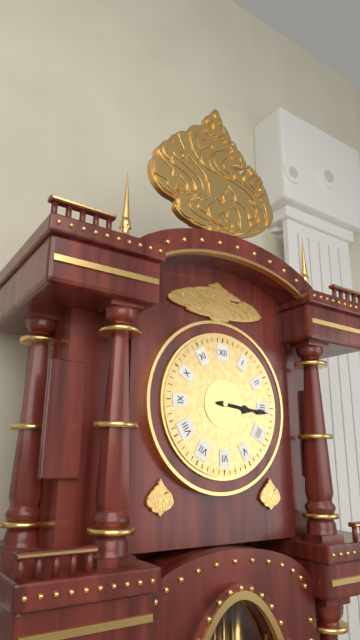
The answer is 3h16
